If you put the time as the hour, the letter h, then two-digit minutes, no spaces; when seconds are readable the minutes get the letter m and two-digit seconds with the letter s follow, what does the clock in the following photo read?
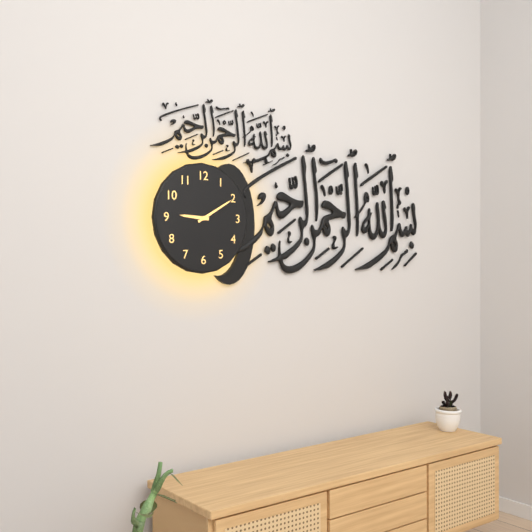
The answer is 9h10
